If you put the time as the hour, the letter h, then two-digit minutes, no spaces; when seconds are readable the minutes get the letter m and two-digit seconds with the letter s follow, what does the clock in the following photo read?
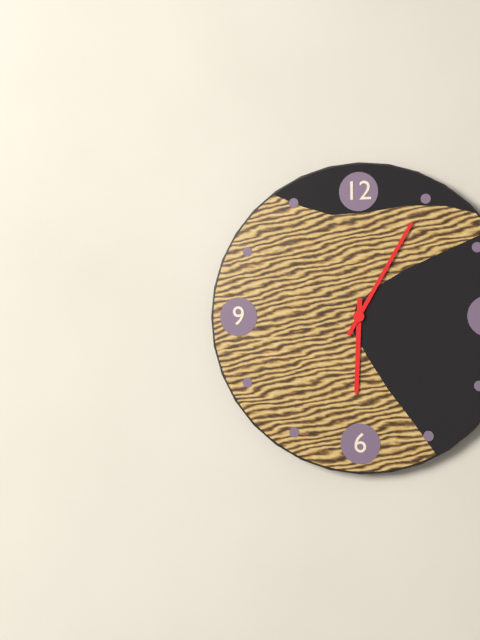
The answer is 6h05
